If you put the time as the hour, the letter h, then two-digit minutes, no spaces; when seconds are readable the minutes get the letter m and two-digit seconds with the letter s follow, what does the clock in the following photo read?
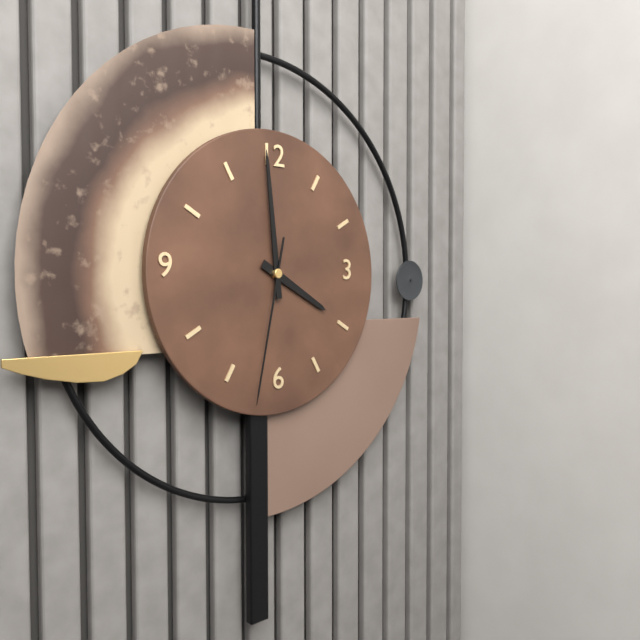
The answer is 3h59m32s
